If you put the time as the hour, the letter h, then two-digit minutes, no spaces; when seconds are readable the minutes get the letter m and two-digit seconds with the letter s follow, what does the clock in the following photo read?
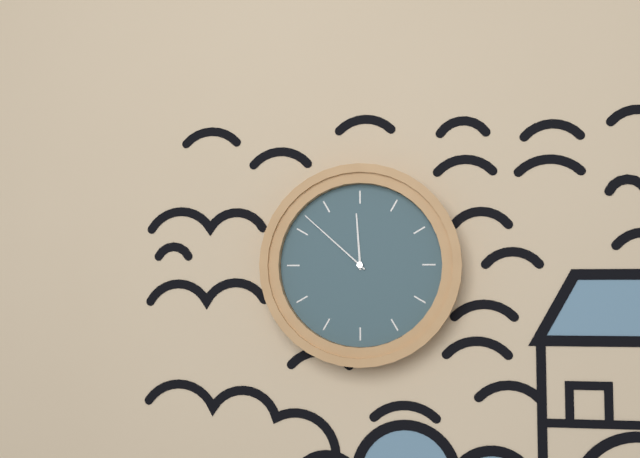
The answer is 11h52
